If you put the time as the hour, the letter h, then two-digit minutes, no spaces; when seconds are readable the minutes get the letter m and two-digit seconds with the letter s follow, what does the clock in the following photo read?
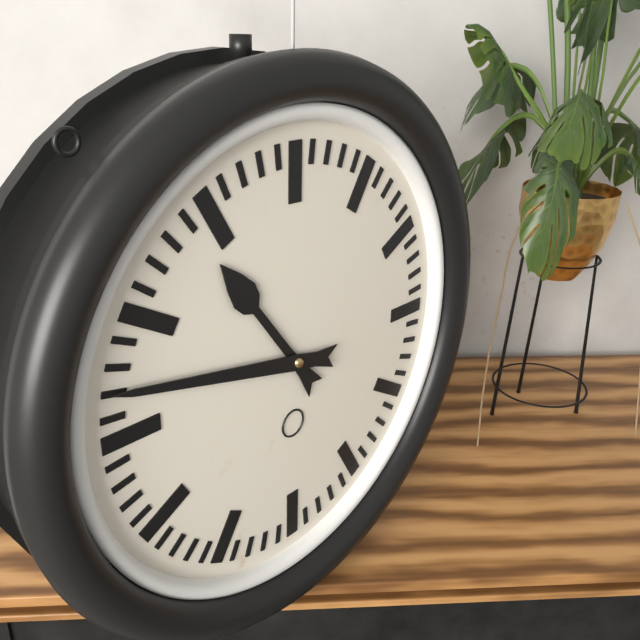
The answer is 10h47
